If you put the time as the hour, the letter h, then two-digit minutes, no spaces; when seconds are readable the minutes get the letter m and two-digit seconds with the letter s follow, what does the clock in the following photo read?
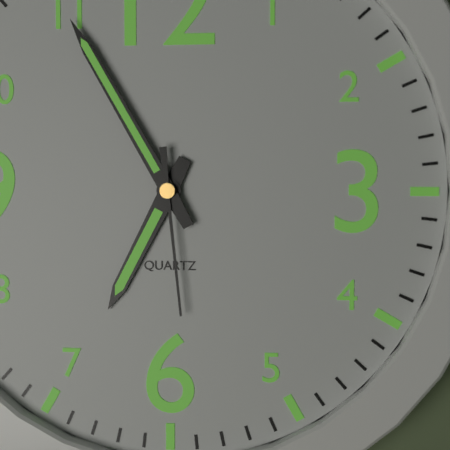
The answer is 6h55m29s
